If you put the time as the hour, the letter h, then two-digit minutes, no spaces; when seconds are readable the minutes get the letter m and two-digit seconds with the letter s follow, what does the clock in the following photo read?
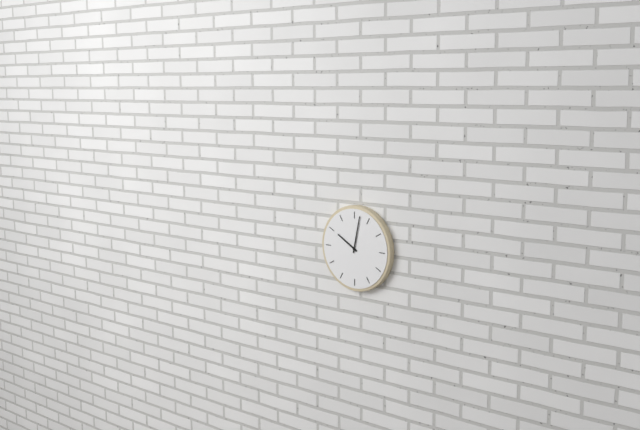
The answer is 10h02
